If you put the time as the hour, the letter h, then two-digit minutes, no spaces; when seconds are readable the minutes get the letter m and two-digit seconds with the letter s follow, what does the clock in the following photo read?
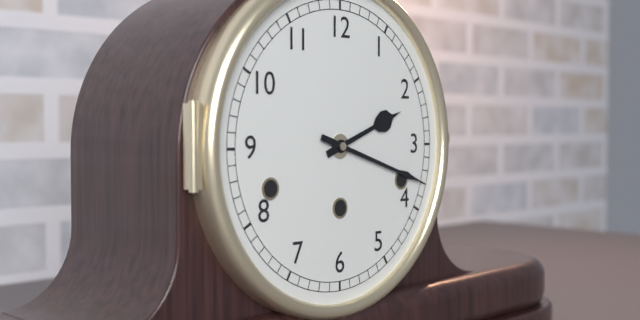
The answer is 2h18
